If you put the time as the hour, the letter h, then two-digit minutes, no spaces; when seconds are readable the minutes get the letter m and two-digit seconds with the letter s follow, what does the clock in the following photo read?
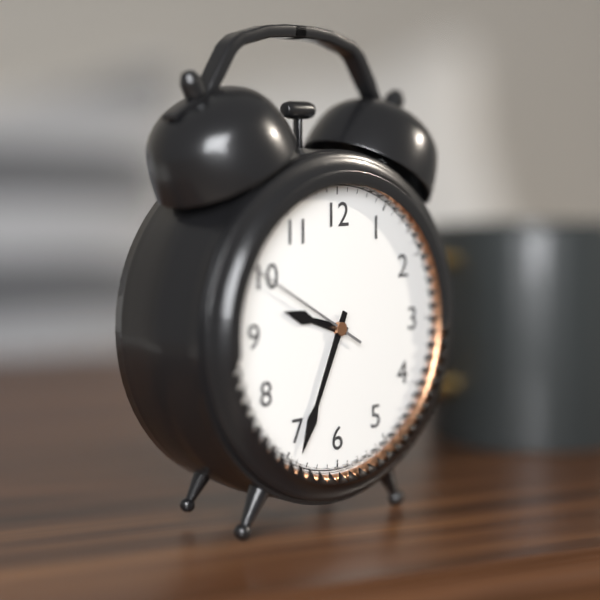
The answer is 9h34m50s
